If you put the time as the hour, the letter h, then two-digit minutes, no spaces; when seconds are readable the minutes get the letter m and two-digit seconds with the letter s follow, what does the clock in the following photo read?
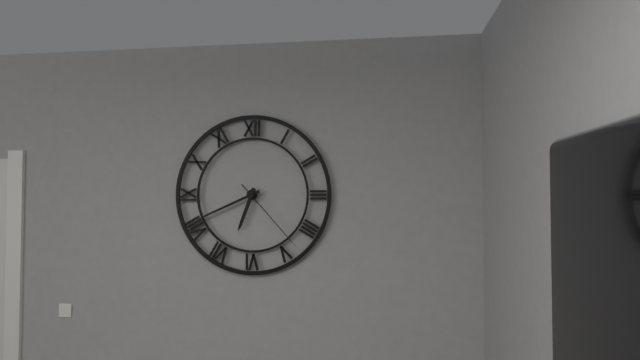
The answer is 6h41m23s
